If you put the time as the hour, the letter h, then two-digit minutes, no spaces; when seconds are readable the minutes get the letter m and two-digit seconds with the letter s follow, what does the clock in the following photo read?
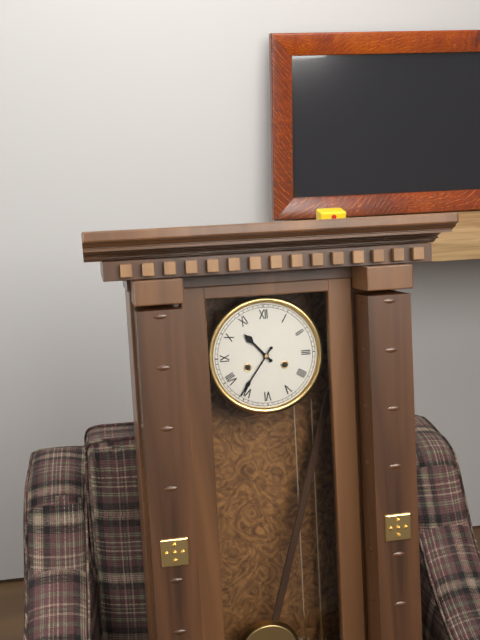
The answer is 10h36
